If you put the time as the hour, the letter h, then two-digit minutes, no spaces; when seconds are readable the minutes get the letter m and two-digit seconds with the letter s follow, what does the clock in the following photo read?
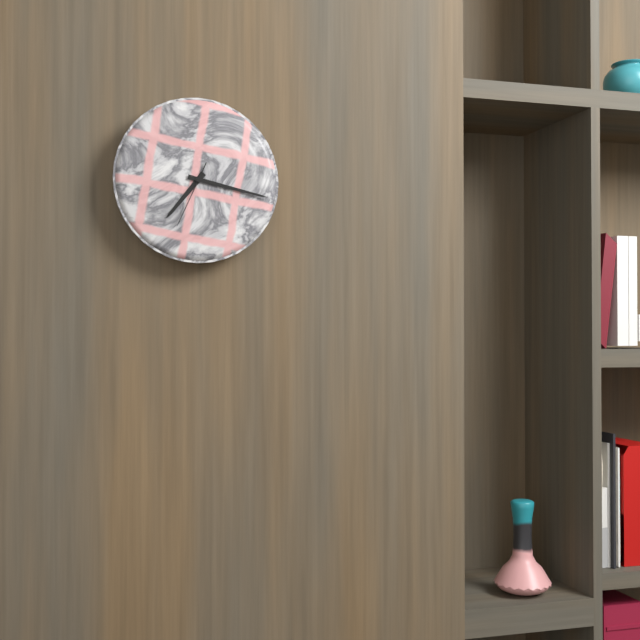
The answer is 7h17m34s
